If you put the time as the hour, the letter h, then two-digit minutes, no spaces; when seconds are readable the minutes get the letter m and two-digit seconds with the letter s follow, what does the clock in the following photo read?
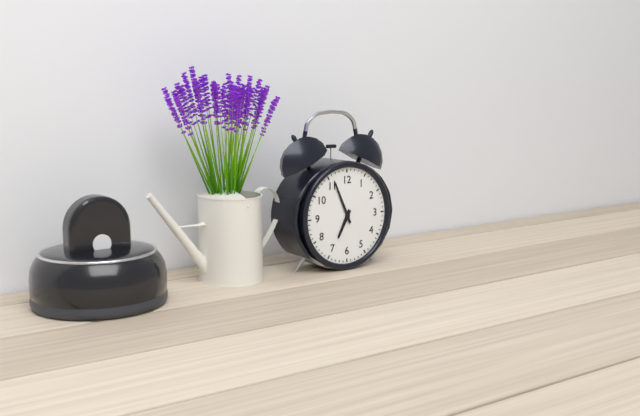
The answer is 6h56
